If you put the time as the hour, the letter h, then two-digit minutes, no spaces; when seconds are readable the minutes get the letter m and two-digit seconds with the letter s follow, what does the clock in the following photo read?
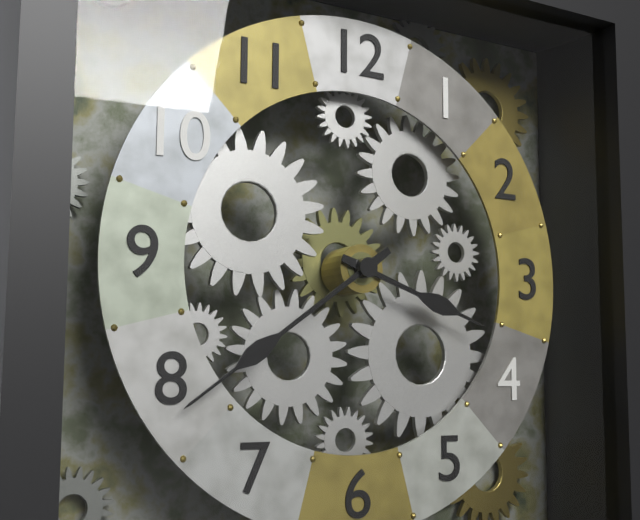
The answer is 3h39
